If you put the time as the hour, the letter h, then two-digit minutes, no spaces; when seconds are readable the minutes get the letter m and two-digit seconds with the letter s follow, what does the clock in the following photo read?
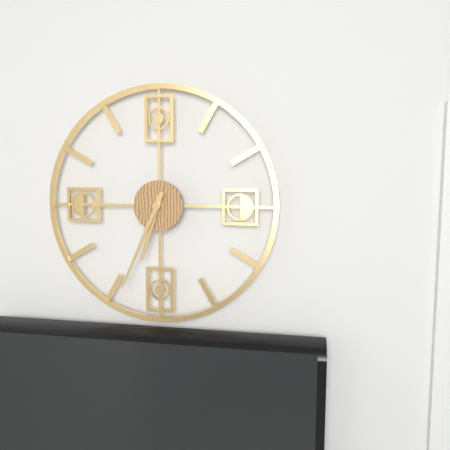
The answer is 6h34
